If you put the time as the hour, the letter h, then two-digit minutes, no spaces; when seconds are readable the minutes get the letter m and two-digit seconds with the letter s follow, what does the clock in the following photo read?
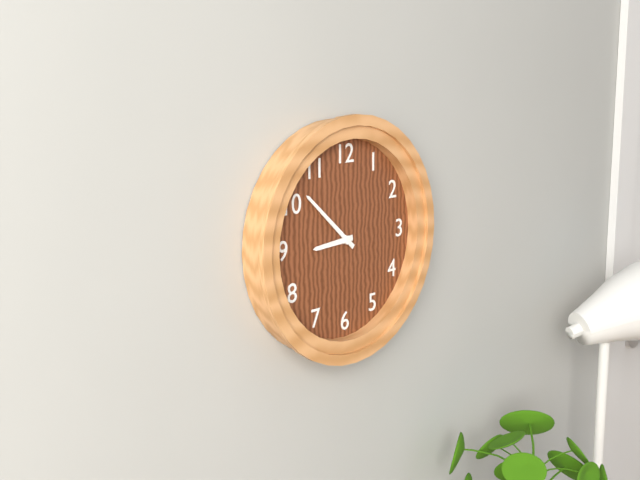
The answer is 8h52
